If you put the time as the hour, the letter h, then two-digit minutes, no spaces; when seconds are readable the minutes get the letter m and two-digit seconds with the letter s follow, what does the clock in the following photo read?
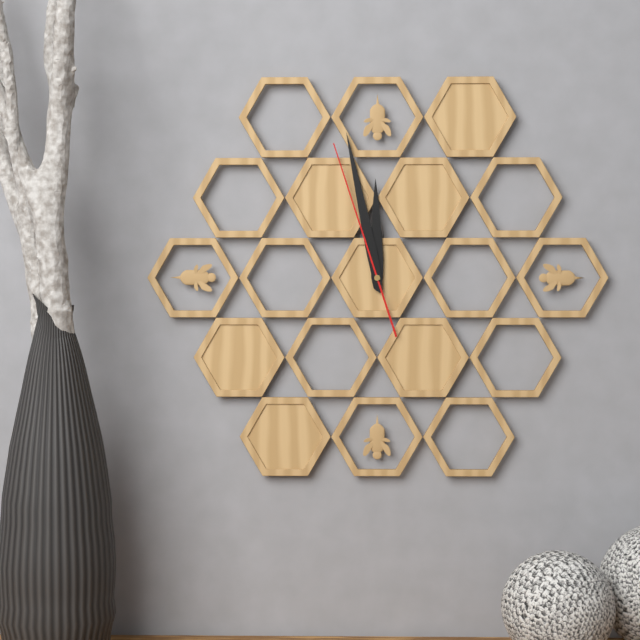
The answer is 11h58m57s
